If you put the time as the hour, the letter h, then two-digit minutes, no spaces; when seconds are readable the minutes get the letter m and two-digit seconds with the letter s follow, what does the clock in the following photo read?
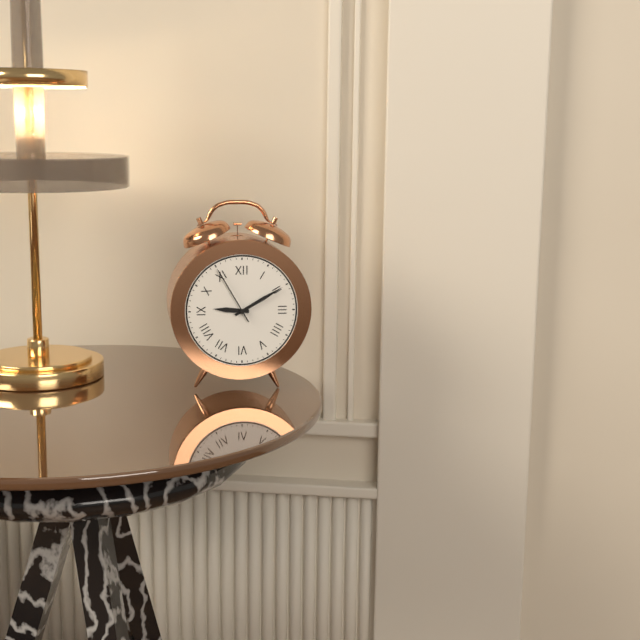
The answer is 9h10m55s
